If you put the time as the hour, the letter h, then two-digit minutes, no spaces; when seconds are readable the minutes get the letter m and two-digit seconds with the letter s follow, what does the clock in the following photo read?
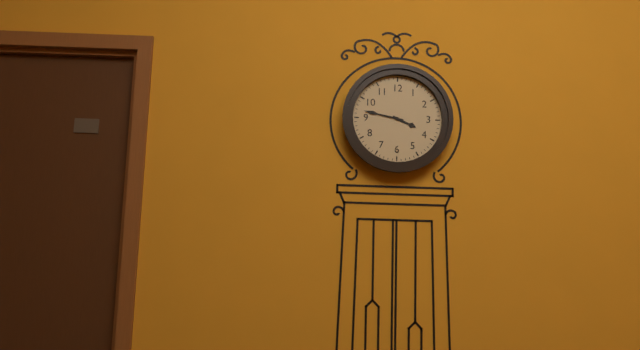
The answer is 3h47
